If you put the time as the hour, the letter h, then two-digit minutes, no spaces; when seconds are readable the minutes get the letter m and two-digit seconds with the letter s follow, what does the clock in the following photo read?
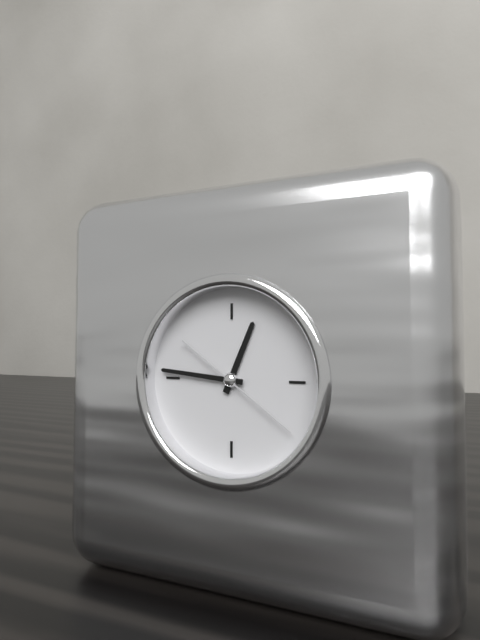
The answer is 12h46m21s
